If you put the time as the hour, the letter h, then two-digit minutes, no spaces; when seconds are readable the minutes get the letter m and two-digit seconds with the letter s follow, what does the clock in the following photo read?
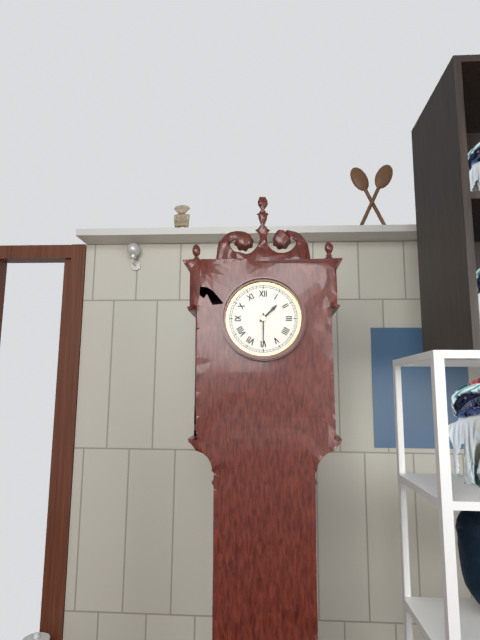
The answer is 1h30
